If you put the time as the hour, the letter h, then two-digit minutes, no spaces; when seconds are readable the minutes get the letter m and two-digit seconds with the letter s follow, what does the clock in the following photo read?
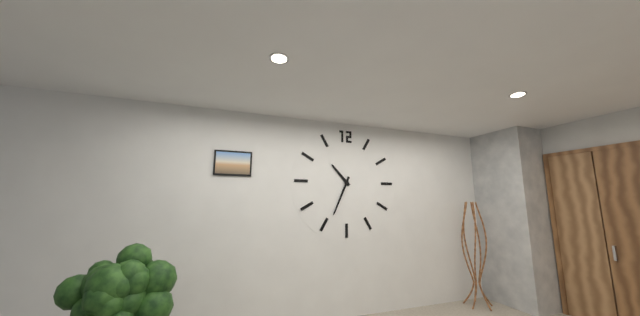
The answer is 10h34
